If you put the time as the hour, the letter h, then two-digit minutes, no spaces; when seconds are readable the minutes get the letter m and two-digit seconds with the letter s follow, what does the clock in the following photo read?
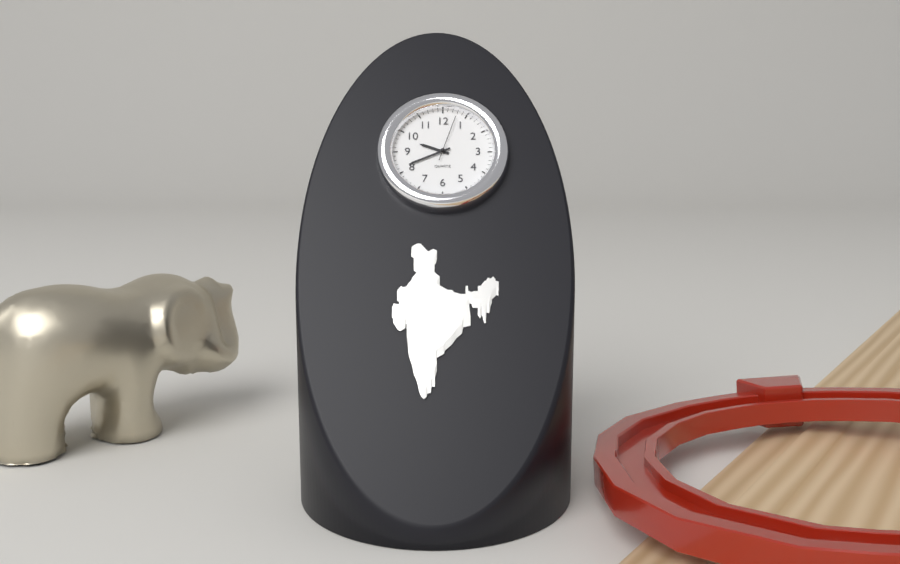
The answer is 9h41
